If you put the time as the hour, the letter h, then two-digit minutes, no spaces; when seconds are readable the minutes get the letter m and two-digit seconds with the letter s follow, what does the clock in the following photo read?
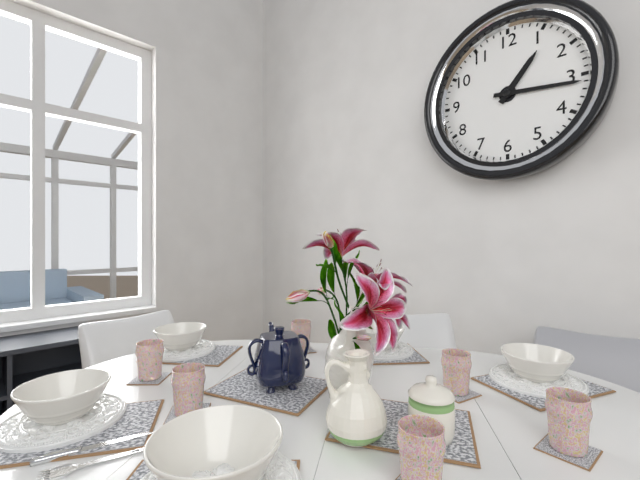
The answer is 1h16
